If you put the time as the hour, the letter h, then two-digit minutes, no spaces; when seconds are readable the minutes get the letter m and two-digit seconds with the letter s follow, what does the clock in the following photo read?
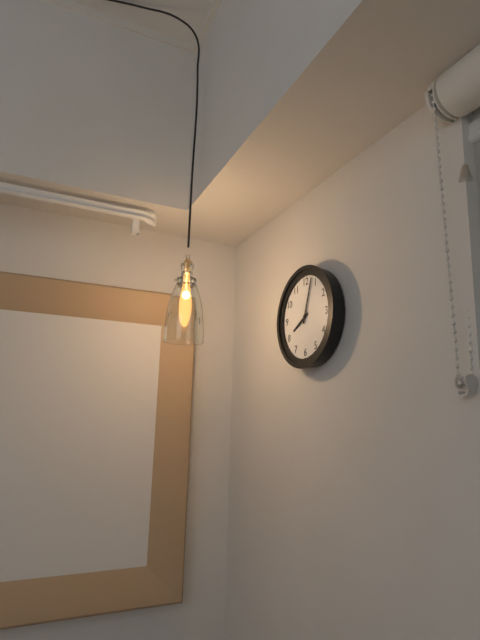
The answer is 8h03
